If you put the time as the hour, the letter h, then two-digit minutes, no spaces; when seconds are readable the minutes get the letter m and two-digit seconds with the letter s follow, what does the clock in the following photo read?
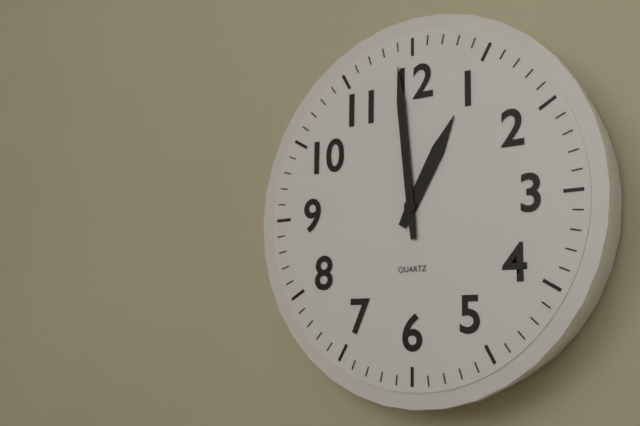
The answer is 12h59
